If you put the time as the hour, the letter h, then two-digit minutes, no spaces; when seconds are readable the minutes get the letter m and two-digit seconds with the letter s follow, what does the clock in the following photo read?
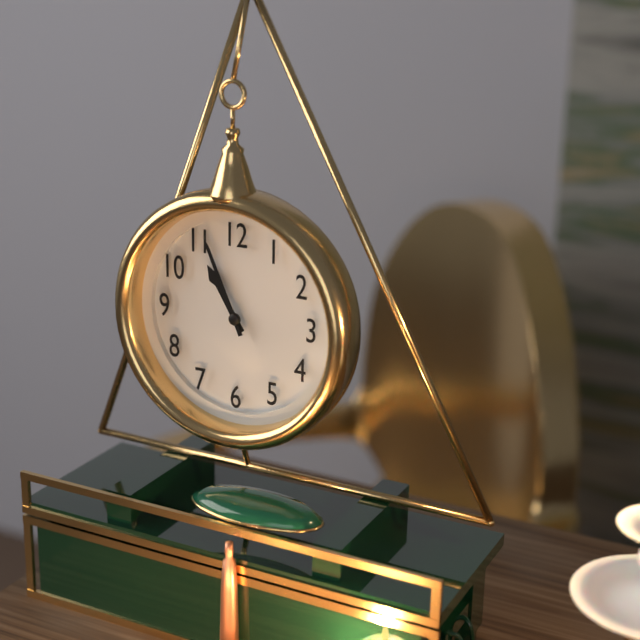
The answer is 10h56
